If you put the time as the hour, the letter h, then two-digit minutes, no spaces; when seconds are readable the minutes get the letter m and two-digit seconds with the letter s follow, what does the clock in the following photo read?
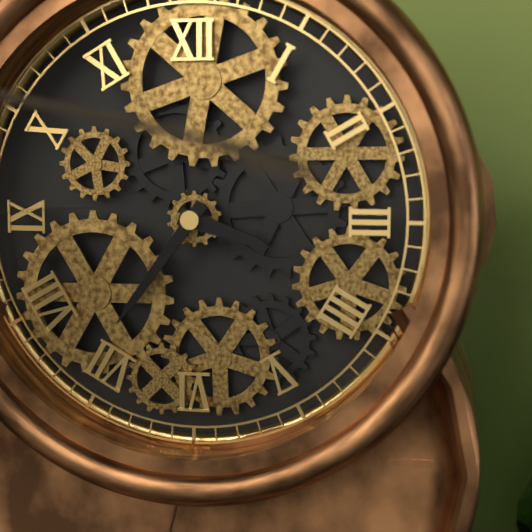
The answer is 3h36
